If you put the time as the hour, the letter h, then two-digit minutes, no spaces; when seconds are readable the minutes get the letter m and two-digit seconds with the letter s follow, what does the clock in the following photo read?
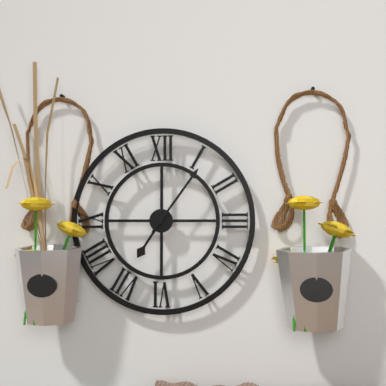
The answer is 7h06
